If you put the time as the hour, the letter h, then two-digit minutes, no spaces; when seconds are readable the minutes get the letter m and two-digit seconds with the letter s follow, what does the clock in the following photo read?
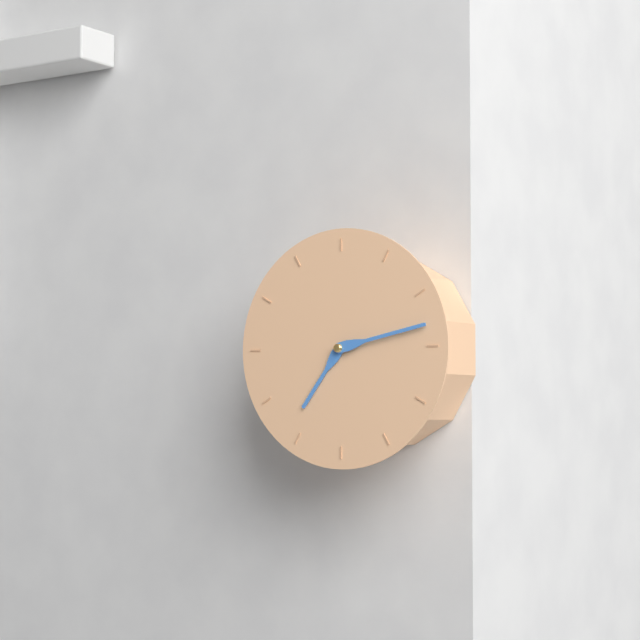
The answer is 7h13
